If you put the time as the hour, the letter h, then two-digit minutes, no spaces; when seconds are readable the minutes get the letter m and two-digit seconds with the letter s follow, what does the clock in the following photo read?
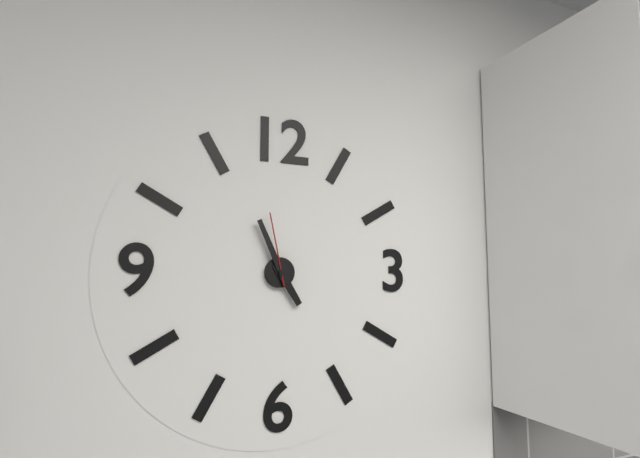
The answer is 4h56m58s
